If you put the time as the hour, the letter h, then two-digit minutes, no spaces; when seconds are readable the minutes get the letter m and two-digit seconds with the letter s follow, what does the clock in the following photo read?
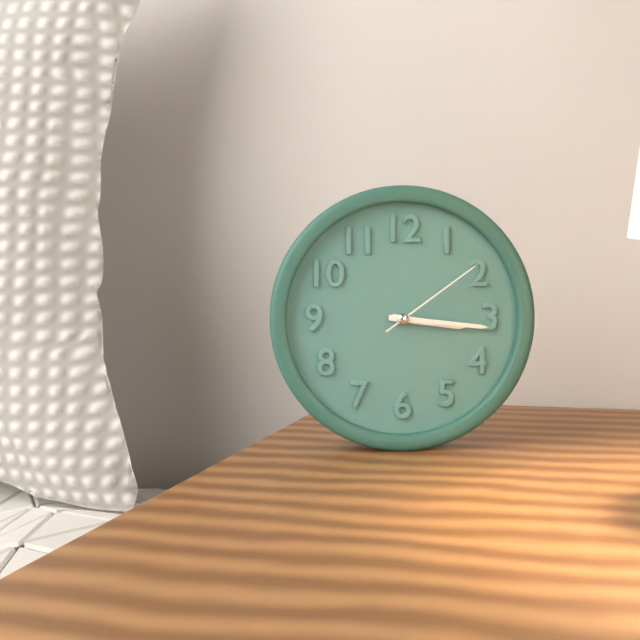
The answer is 3h16m09s
